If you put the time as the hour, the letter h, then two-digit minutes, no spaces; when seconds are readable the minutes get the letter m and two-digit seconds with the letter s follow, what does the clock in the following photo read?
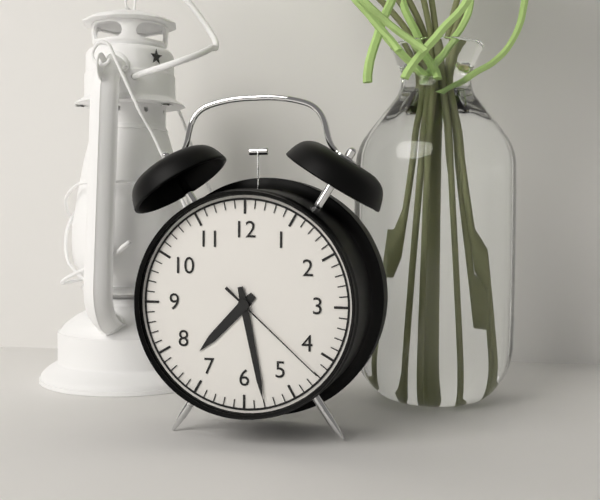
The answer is 7h28m22s
